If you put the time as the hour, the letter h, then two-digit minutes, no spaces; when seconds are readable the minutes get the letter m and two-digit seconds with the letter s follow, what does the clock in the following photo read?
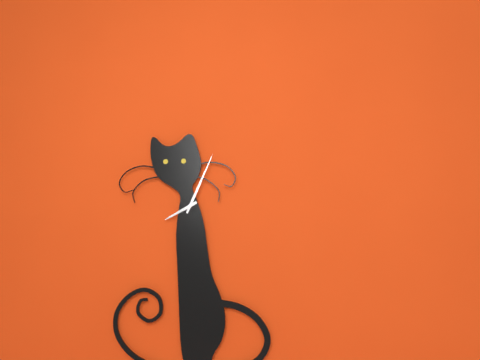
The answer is 8h04
